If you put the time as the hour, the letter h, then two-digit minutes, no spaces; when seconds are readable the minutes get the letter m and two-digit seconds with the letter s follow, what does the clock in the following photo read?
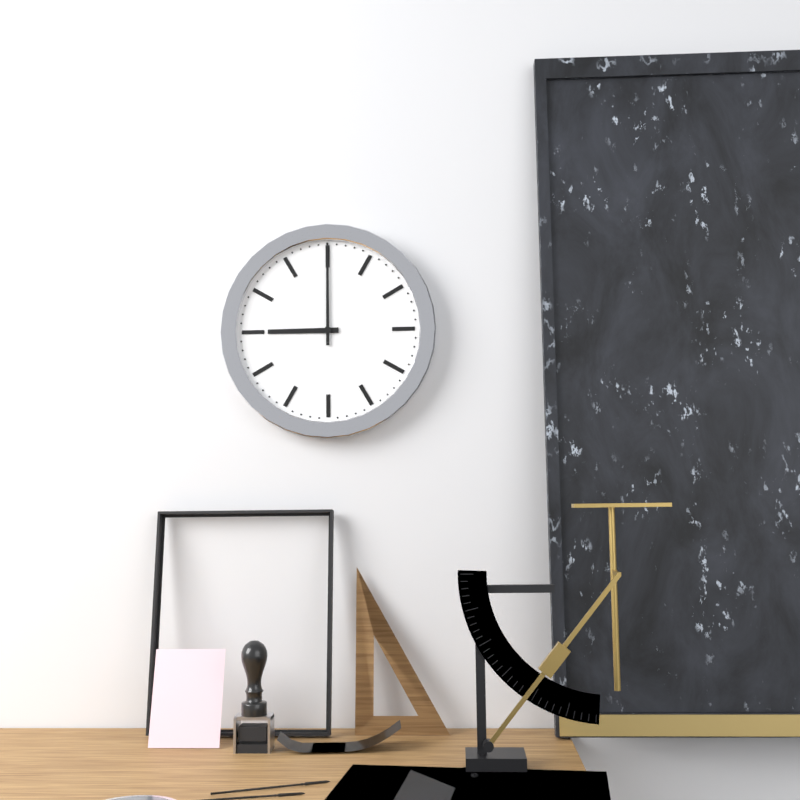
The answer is 9h00
